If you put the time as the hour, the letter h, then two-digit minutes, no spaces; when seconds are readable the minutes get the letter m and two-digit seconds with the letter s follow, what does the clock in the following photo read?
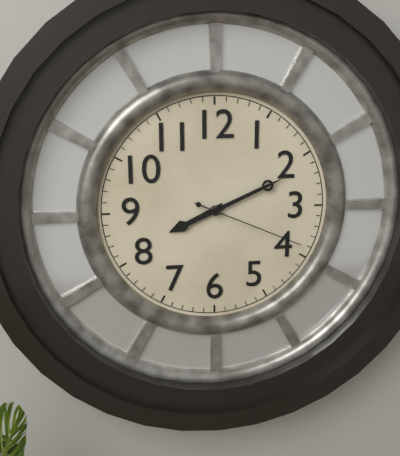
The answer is 8h11m19s
